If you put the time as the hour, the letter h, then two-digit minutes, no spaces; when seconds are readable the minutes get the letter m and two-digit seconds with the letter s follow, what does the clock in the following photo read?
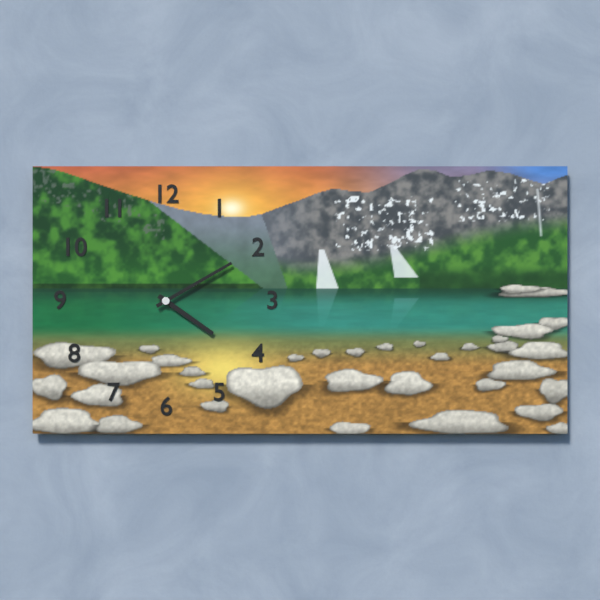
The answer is 4h10
